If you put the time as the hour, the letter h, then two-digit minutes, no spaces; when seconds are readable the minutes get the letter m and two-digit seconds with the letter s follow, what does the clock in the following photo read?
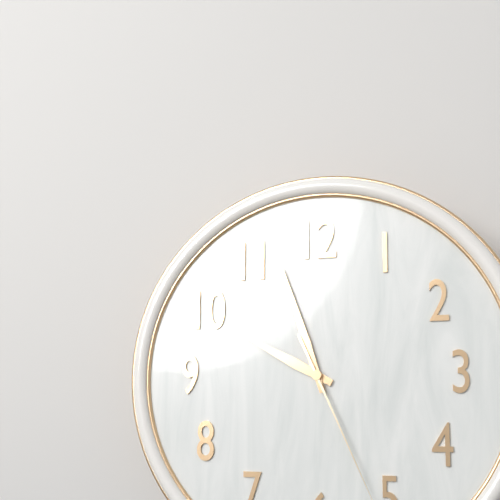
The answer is 9h57
